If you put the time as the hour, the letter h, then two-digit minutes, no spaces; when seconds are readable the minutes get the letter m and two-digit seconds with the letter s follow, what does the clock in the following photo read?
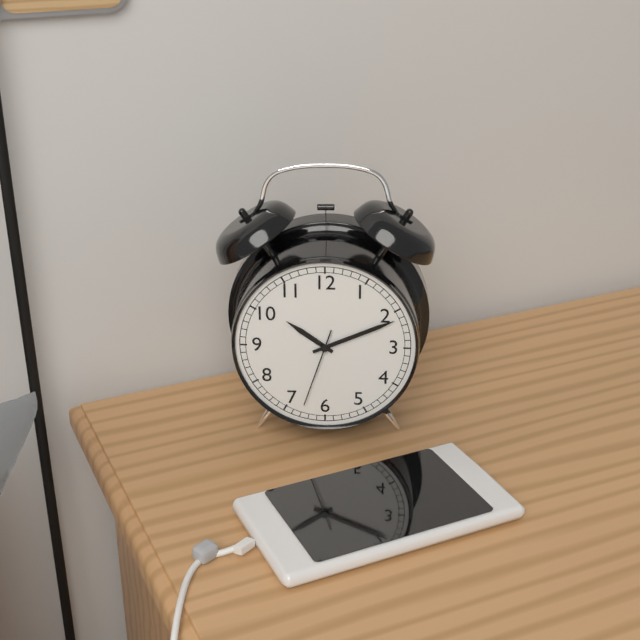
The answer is 10h11m33s
